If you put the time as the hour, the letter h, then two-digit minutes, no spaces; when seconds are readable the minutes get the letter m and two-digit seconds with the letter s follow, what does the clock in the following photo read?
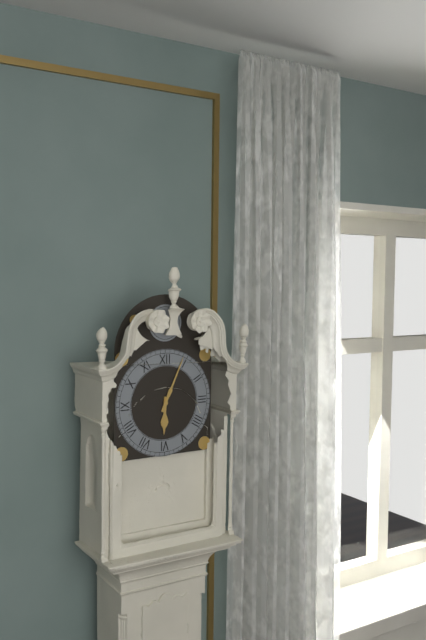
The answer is 6h04
